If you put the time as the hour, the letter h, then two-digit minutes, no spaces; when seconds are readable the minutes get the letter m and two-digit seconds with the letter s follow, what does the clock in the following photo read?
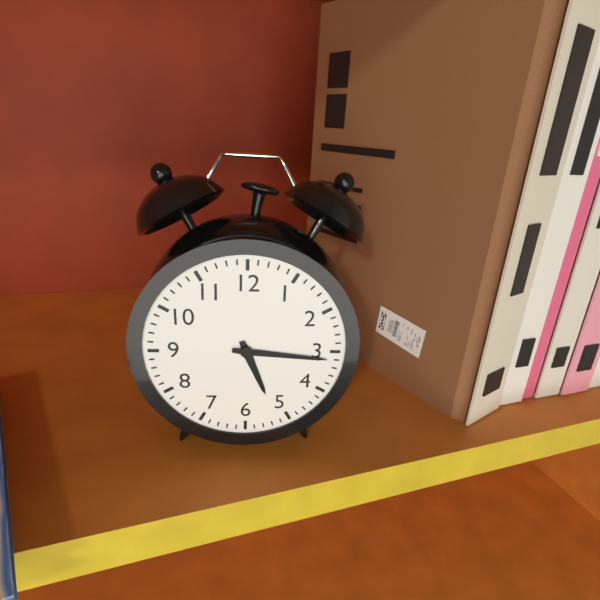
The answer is 5h16
